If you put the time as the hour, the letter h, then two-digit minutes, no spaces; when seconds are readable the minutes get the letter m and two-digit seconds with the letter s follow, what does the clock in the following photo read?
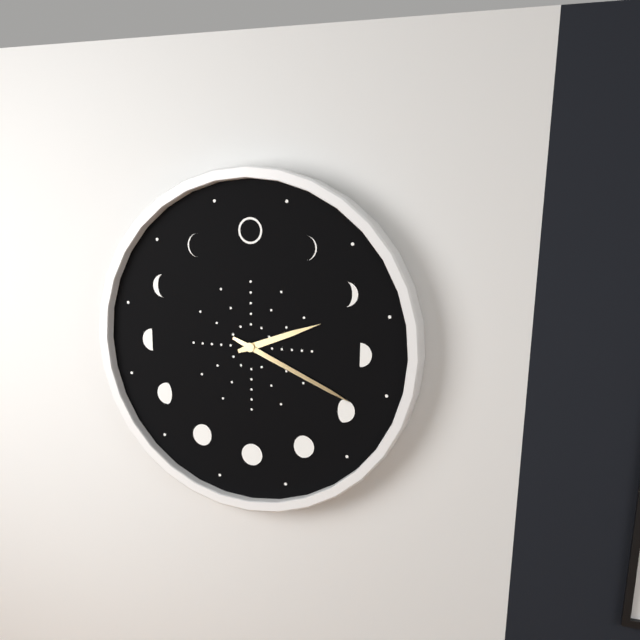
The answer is 2h19
